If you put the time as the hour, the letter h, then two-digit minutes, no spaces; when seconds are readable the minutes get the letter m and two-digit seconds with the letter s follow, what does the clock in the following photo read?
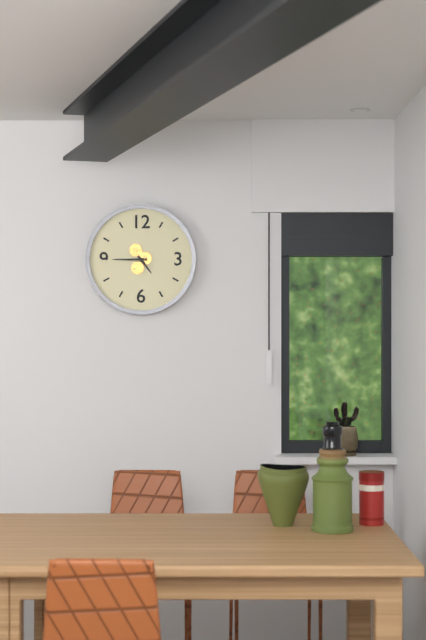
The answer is 4h45
